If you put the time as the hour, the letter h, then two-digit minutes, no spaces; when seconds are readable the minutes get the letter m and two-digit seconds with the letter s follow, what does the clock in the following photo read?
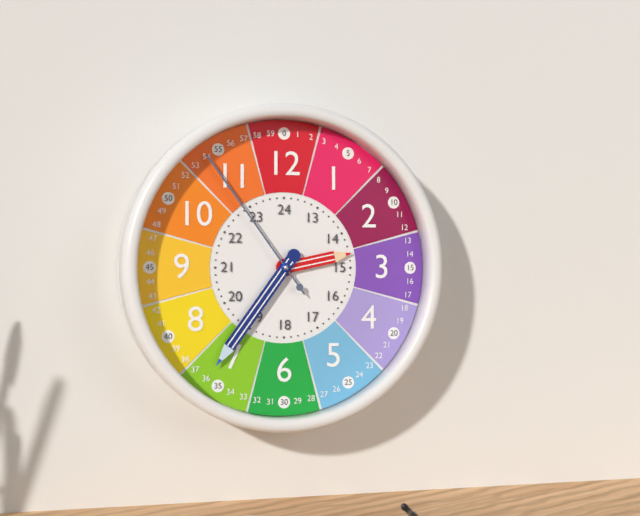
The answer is 2h36m54s
